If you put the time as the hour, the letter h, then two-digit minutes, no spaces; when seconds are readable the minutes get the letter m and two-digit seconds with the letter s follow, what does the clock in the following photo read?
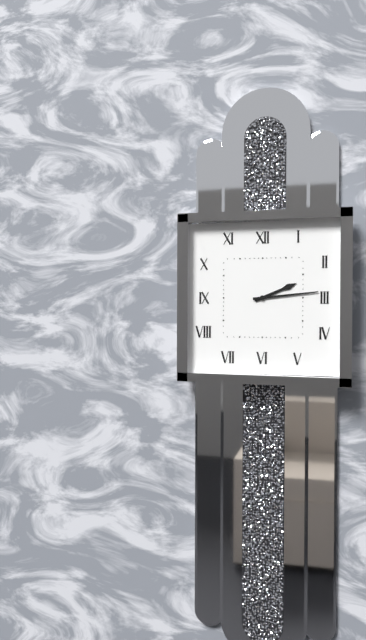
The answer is 2h14
